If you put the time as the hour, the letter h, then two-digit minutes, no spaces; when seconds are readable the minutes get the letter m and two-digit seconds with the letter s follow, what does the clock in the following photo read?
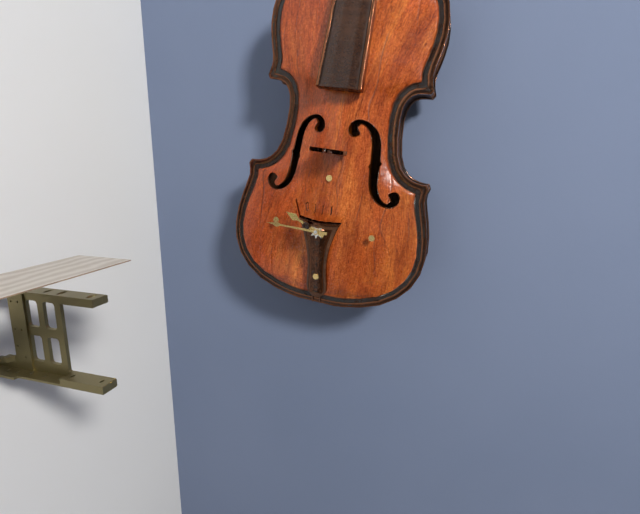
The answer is 9h45
